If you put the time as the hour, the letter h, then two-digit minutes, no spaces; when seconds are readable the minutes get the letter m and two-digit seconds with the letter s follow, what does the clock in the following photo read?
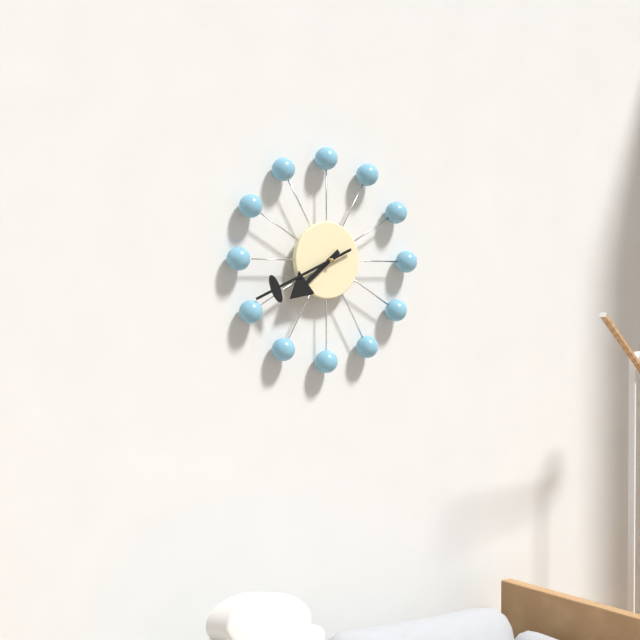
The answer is 7h41
